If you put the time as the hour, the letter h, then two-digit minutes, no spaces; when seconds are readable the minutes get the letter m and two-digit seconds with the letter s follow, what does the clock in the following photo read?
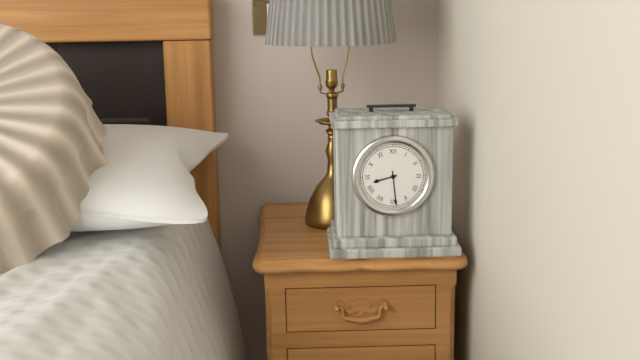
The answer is 8h29
